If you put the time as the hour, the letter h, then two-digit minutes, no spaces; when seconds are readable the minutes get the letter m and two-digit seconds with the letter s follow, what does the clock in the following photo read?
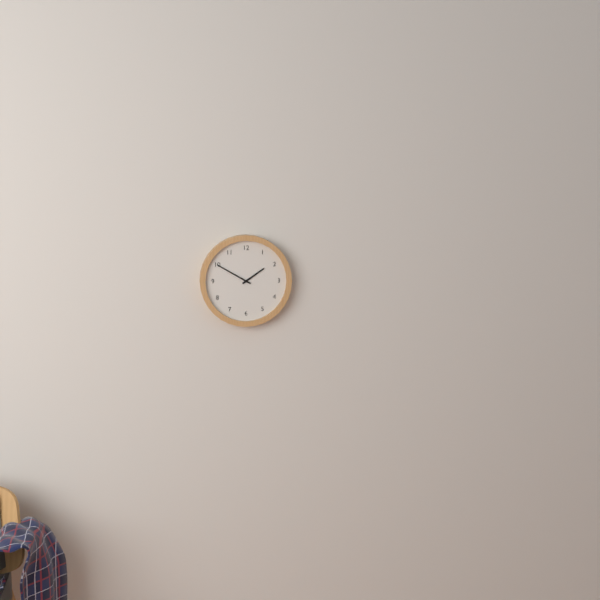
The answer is 1h50
